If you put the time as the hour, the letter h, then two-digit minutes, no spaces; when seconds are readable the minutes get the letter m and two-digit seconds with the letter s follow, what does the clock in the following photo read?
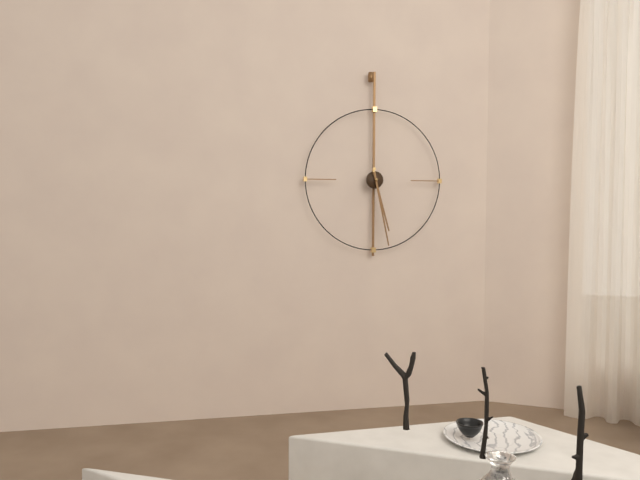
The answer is 5h28
